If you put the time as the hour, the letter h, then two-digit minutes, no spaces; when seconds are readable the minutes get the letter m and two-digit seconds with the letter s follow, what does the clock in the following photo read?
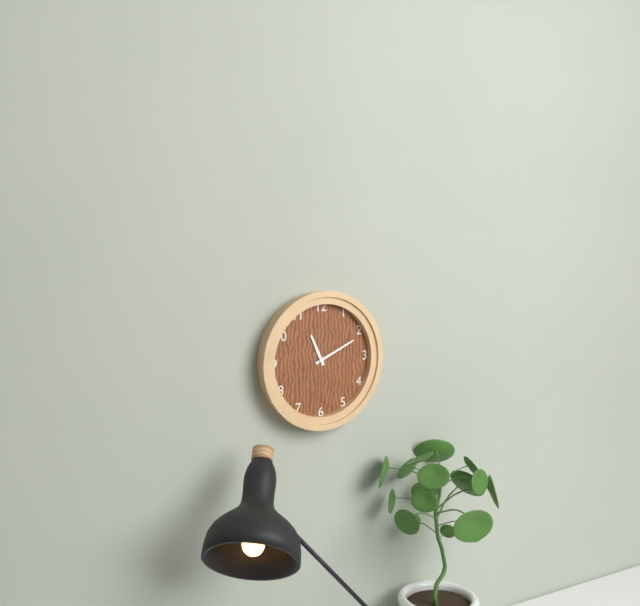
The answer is 11h11
